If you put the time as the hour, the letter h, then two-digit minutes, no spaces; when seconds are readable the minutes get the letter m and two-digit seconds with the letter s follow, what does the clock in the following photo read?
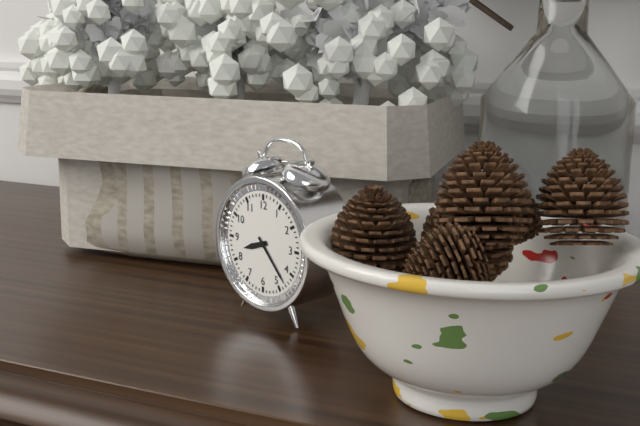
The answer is 8h23
